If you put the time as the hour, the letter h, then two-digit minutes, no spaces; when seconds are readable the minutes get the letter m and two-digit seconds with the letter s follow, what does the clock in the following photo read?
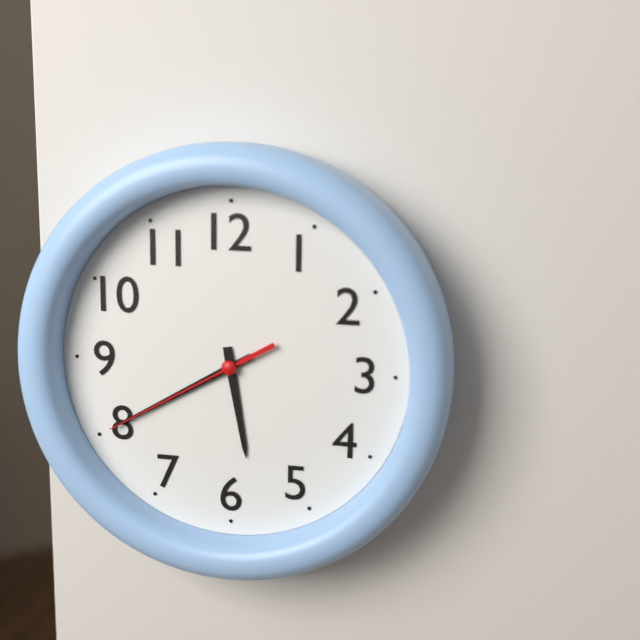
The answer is 5h40m40s
